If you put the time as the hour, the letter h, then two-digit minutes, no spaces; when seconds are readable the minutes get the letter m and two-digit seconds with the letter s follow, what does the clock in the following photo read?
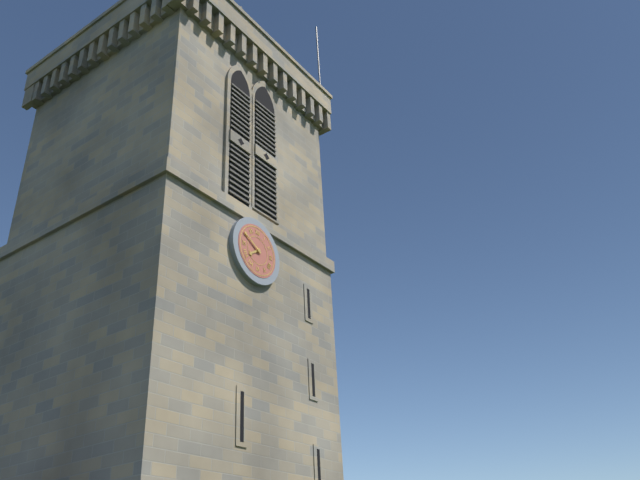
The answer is 7h50
